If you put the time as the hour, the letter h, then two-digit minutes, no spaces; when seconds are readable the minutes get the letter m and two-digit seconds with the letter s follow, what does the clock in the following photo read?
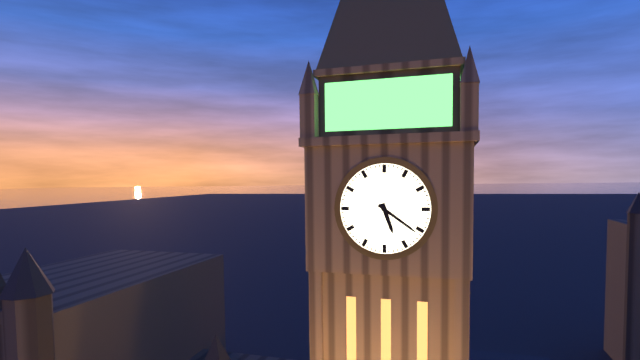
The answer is 5h21
